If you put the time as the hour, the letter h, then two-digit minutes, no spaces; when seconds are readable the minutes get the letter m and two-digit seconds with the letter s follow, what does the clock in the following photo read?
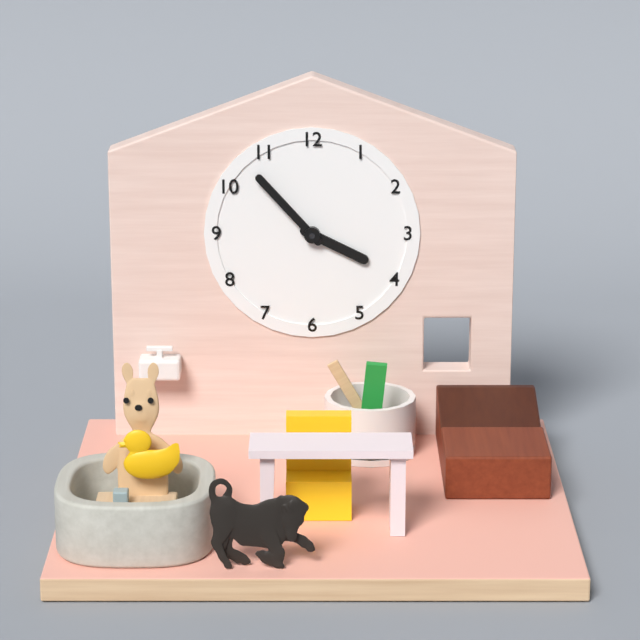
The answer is 3h53
